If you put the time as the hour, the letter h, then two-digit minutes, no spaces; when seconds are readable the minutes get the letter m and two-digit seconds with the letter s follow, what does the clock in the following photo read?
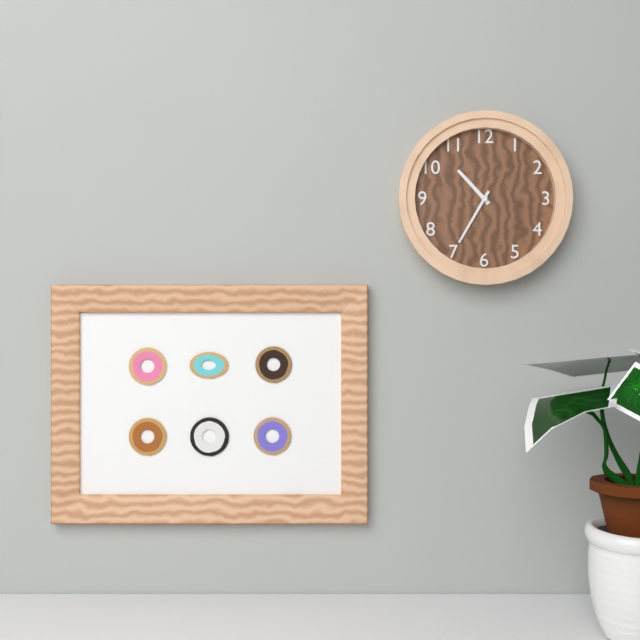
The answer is 10h35
